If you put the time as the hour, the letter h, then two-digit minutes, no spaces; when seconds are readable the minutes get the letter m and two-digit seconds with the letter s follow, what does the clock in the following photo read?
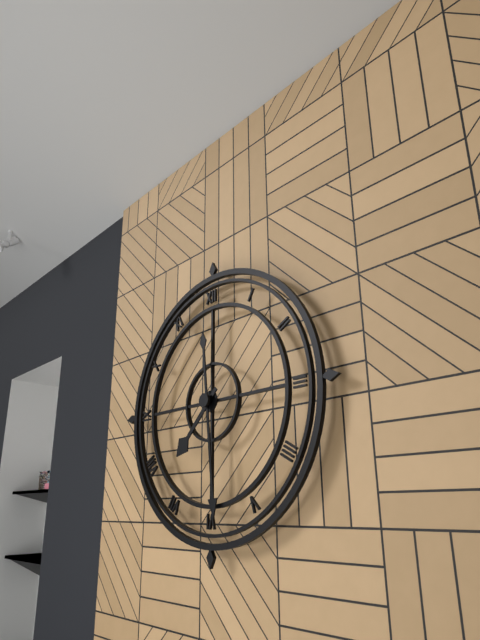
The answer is 7h29
